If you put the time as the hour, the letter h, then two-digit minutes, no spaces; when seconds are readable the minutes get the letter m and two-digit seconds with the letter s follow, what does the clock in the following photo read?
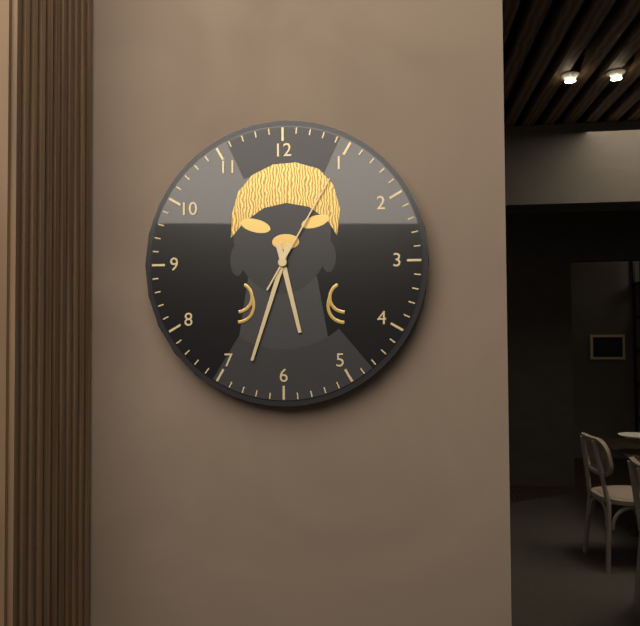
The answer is 5h33m05s
